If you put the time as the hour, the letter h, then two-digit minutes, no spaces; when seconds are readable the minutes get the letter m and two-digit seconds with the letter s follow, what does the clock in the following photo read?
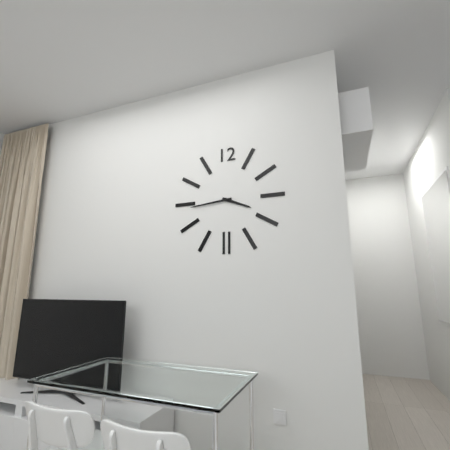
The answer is 3h44
